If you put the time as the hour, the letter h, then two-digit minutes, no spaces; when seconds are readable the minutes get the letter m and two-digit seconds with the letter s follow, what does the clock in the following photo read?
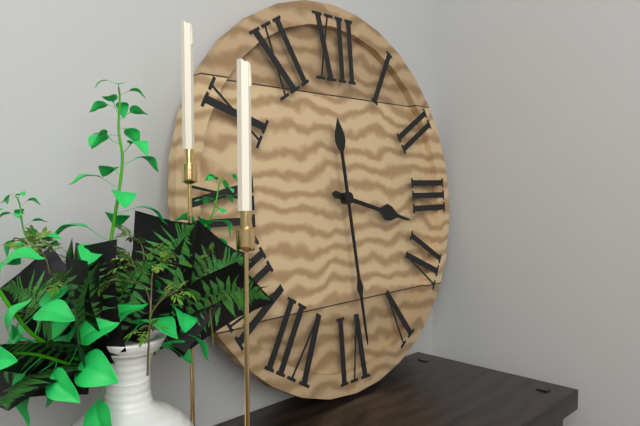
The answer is 3h29
